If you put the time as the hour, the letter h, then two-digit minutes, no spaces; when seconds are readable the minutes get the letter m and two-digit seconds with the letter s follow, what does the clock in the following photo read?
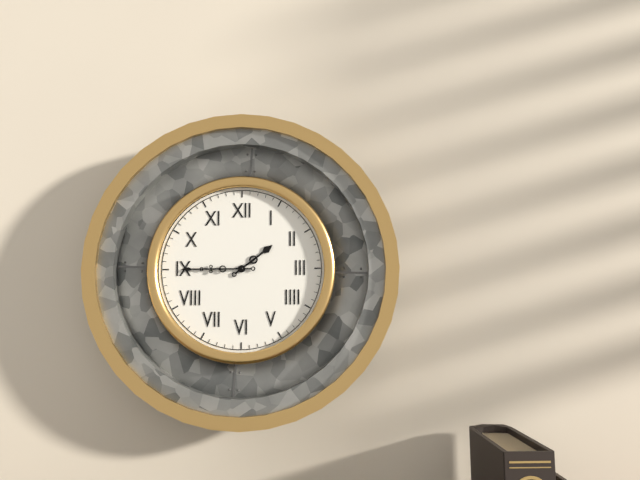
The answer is 1h45
